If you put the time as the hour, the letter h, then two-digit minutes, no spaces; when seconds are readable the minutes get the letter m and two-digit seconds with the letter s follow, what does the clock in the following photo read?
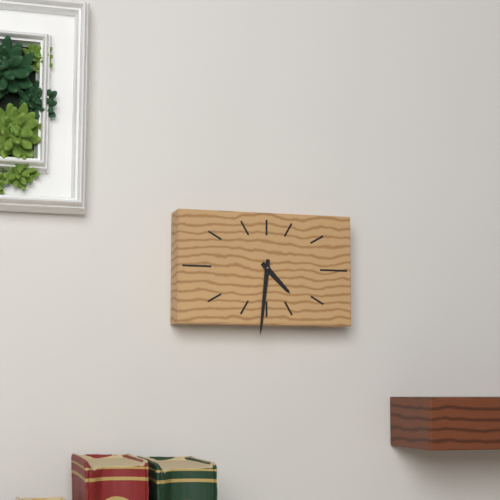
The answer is 4h31
